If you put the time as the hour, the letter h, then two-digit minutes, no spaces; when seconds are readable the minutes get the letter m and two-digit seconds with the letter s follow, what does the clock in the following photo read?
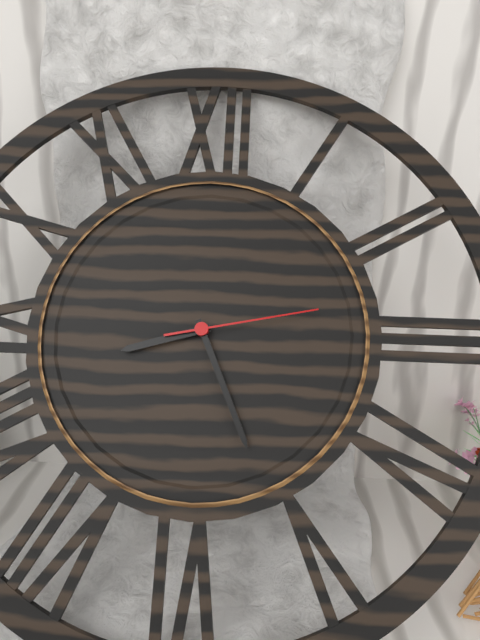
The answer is 8h26m13s
